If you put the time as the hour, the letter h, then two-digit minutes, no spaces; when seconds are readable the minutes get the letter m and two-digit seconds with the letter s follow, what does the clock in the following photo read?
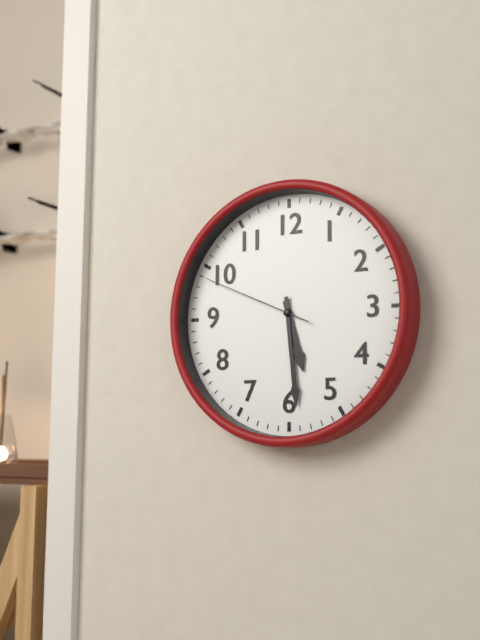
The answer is 5h29m49s
